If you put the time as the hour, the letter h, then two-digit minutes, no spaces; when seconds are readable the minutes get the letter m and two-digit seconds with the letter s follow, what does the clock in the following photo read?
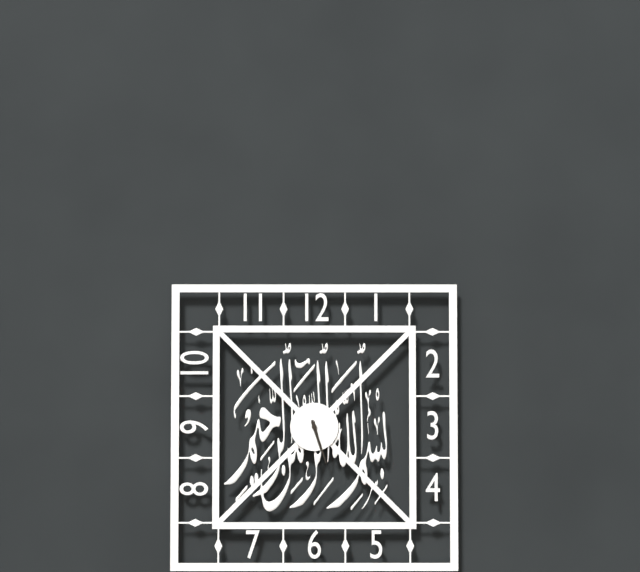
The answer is 5h27
